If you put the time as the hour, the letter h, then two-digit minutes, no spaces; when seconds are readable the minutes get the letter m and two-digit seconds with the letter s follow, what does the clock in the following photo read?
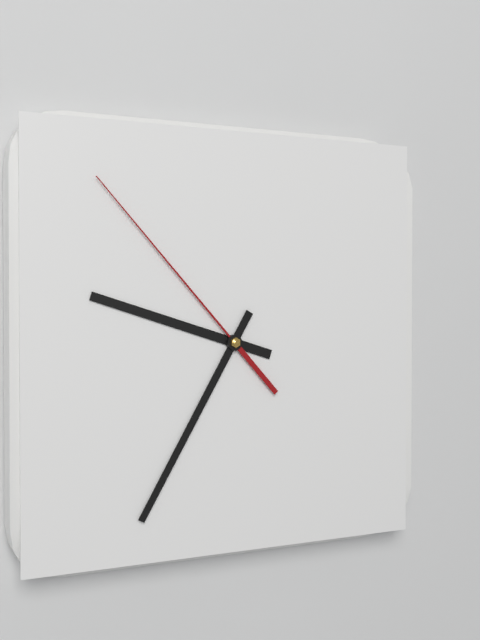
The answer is 9h35m53s
